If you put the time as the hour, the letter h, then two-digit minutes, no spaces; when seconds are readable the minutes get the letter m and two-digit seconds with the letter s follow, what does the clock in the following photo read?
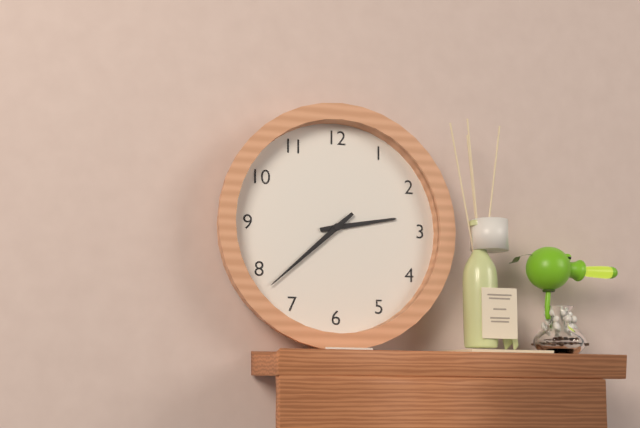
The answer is 2h38
